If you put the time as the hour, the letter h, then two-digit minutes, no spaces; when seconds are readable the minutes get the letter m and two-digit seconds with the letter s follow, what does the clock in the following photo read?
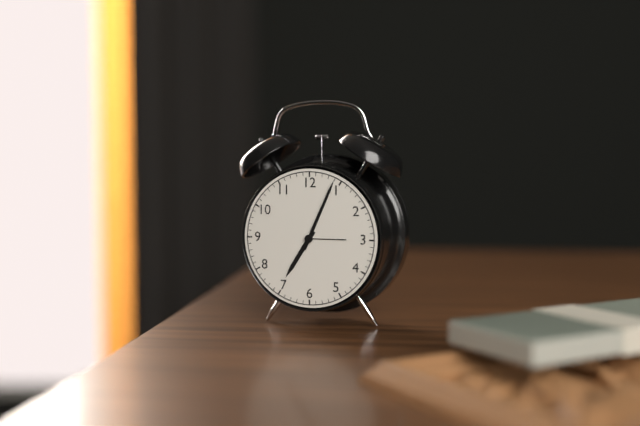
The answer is 7h04
